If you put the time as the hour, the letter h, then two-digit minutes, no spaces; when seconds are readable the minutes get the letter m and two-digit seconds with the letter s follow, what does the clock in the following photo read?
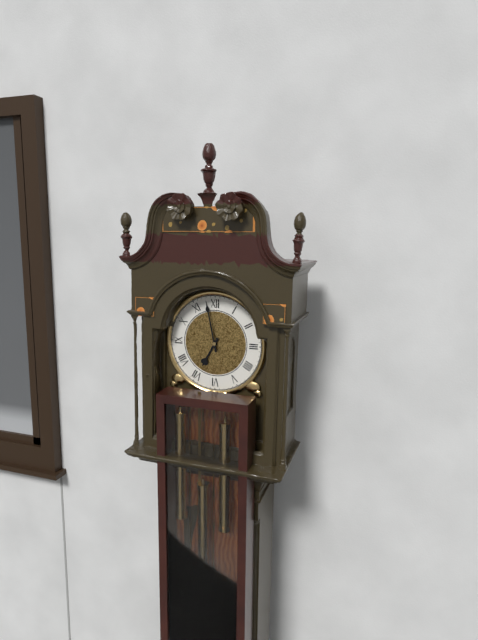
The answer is 6h58
